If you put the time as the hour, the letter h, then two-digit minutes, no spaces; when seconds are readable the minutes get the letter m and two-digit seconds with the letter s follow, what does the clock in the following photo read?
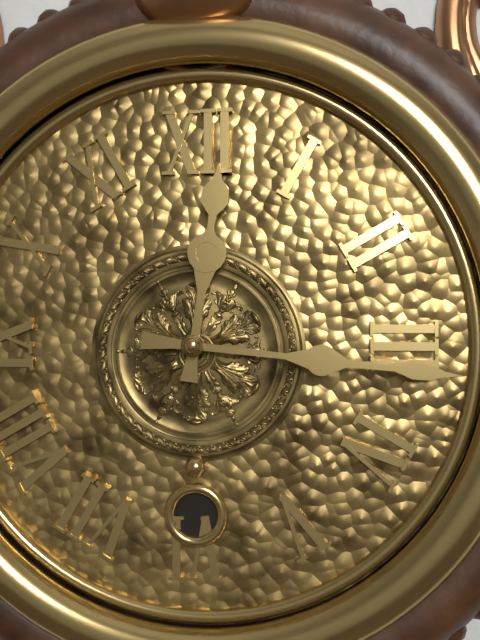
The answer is 12h16
